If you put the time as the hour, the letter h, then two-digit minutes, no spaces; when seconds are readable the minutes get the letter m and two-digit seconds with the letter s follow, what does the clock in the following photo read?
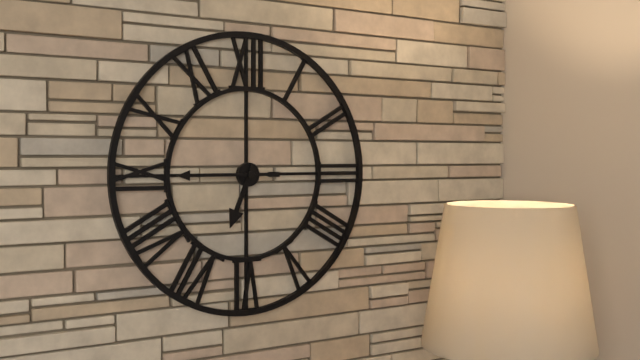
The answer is 6h45
